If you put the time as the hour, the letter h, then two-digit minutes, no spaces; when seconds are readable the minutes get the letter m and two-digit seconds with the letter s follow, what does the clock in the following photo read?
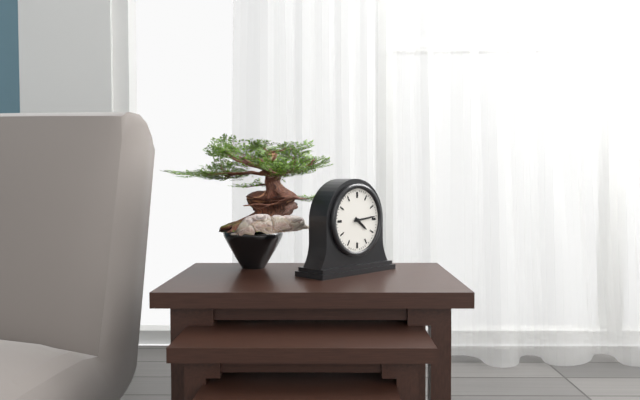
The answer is 4h14
